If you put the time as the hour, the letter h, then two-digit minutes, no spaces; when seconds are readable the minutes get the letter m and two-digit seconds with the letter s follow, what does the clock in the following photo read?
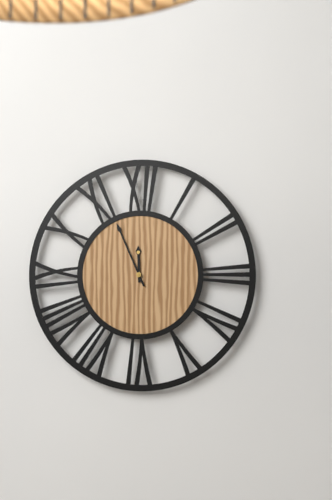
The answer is 11h56
